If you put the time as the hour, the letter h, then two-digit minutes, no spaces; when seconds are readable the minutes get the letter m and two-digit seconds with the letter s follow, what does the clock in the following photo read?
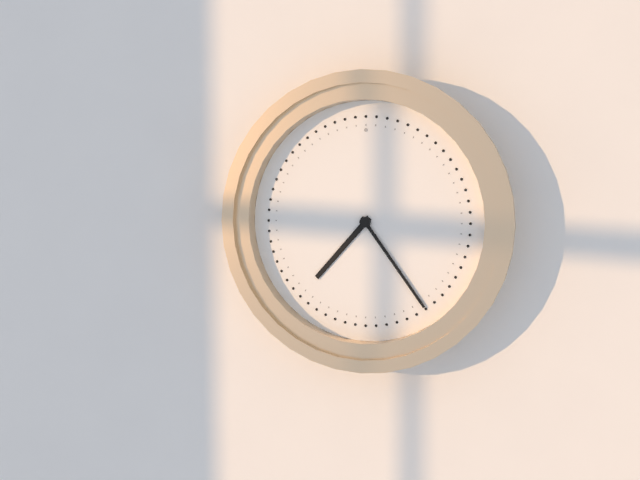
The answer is 7h24
